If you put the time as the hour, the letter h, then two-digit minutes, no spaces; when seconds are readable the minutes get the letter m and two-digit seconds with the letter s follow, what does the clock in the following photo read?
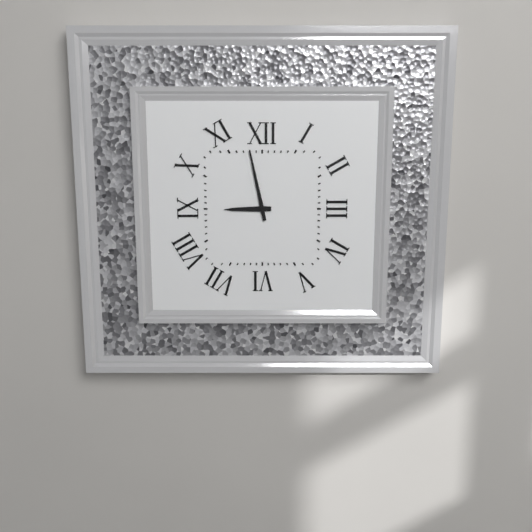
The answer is 8h58
